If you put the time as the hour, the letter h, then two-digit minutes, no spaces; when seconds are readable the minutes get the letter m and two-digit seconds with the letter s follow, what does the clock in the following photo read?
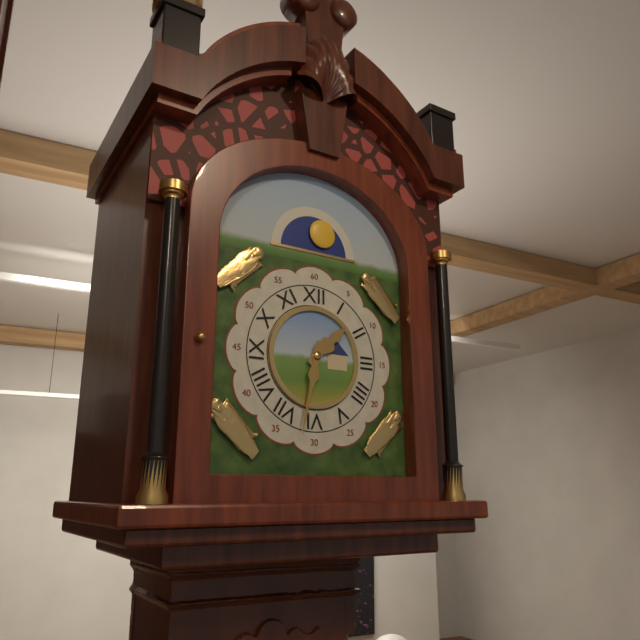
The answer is 1h32
